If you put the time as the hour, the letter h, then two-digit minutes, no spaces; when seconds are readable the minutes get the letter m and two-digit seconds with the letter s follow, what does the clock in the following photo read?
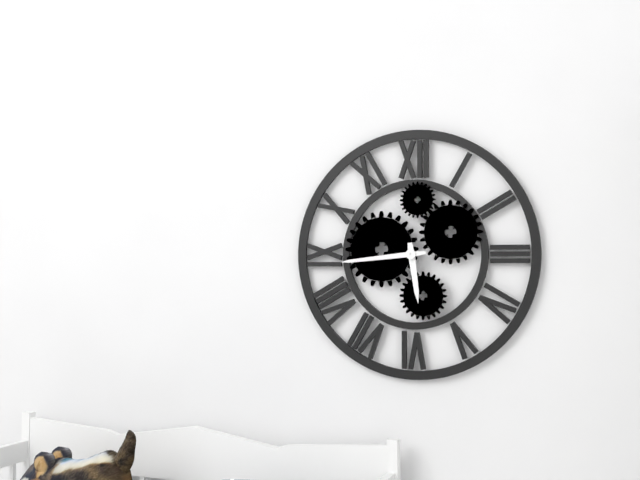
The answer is 5h44
